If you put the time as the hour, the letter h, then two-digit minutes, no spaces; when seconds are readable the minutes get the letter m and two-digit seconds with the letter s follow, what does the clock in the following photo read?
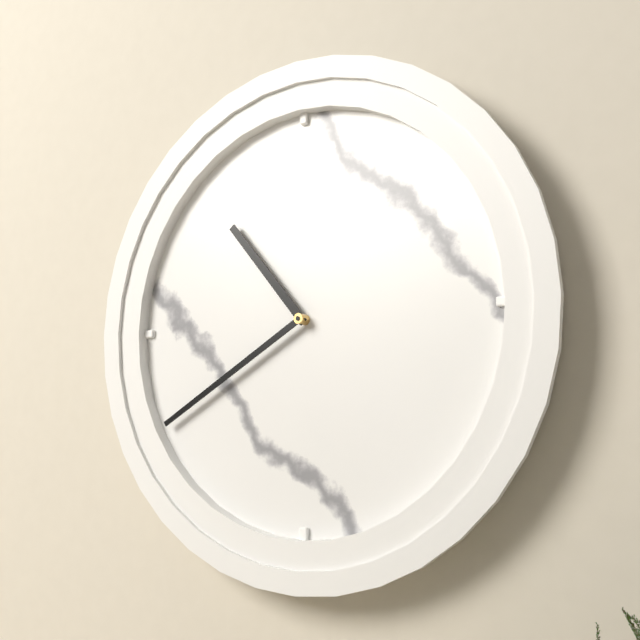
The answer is 10h40
